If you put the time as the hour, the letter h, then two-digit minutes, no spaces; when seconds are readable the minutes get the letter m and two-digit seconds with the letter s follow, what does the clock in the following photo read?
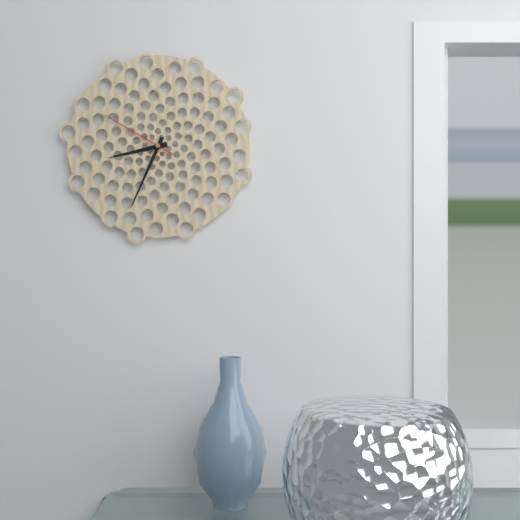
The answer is 8h34m50s
